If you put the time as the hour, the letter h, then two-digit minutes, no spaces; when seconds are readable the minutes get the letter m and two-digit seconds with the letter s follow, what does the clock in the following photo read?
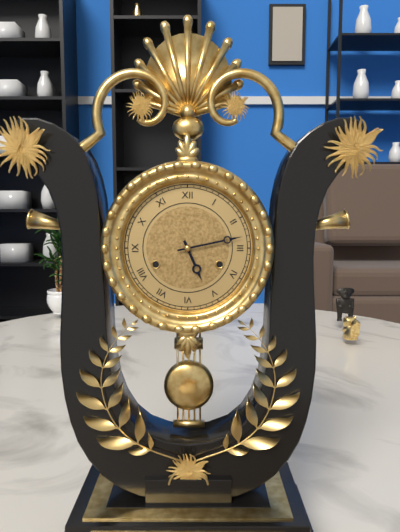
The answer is 5h13
